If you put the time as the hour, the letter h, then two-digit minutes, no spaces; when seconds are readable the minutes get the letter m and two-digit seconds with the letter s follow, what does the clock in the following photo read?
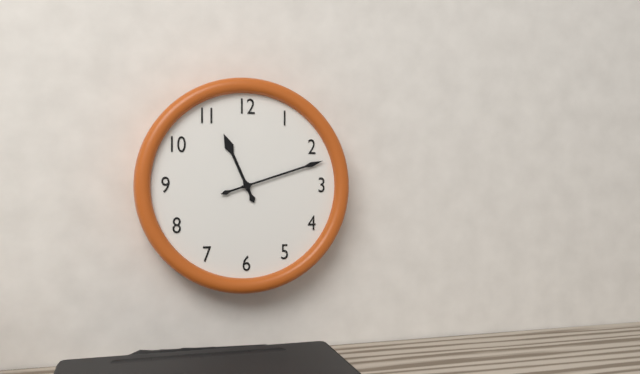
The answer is 11h12
